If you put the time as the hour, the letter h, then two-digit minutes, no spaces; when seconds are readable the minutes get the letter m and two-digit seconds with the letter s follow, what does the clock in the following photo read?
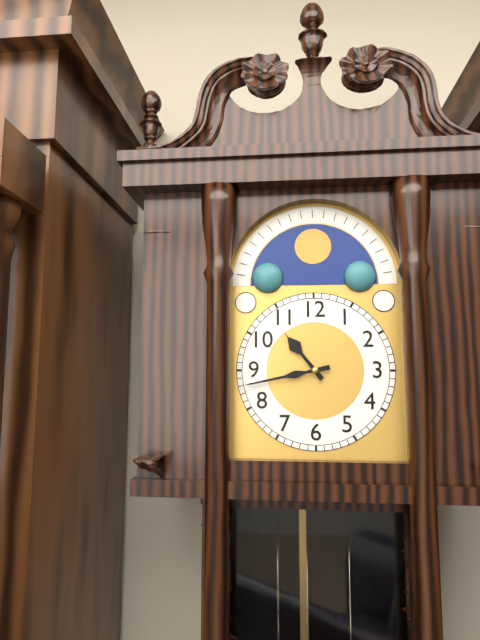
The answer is 10h43
